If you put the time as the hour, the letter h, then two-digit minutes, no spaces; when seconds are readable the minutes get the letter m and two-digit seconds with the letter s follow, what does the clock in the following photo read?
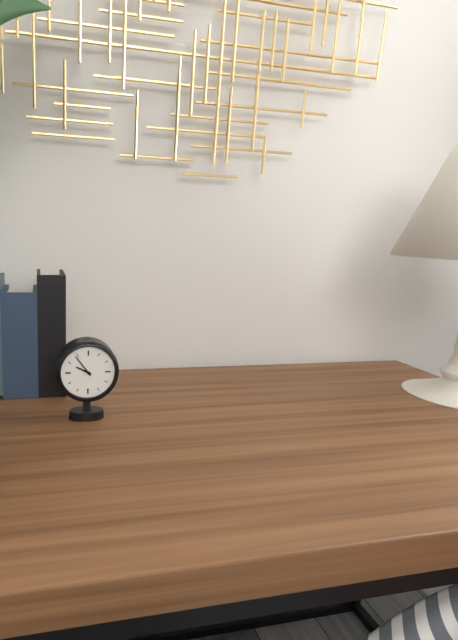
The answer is 9h54
